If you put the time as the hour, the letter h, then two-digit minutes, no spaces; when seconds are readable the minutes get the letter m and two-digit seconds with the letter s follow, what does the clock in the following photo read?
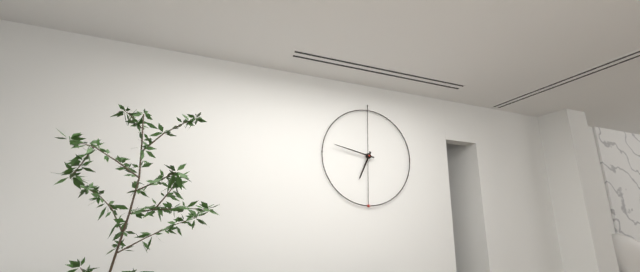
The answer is 6h47
